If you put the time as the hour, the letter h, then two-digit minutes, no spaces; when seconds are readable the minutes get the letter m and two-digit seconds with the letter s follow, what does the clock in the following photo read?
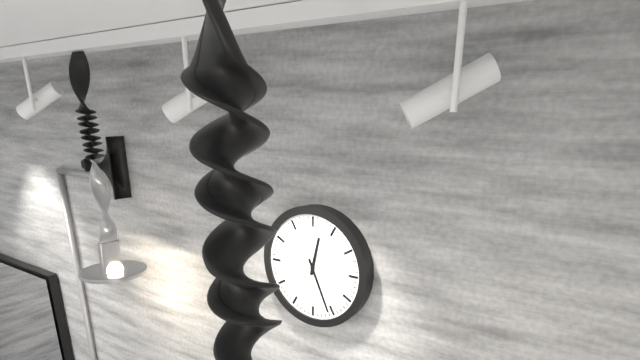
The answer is 12h26
